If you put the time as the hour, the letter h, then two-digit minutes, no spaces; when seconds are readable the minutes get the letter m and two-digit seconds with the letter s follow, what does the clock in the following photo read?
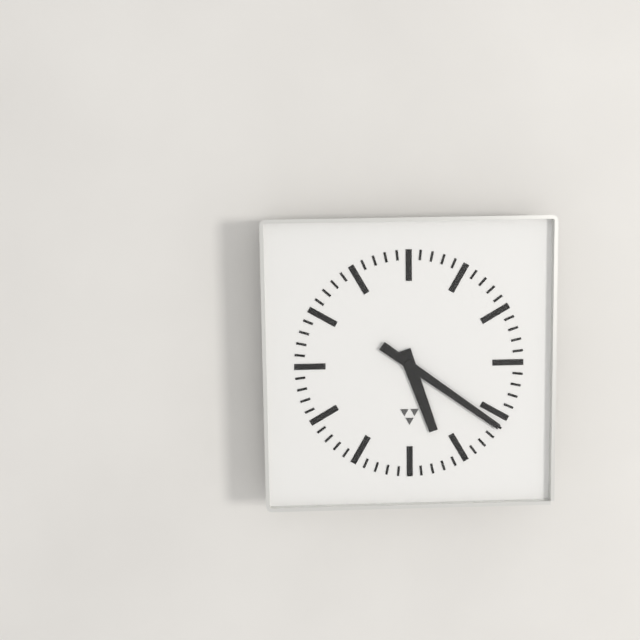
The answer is 5h21
